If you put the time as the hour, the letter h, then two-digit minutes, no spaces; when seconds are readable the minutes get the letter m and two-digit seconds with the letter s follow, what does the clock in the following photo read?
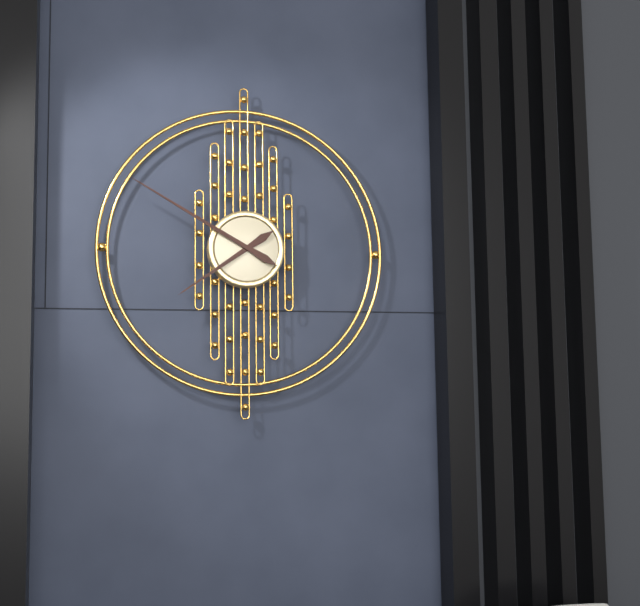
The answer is 7h50
